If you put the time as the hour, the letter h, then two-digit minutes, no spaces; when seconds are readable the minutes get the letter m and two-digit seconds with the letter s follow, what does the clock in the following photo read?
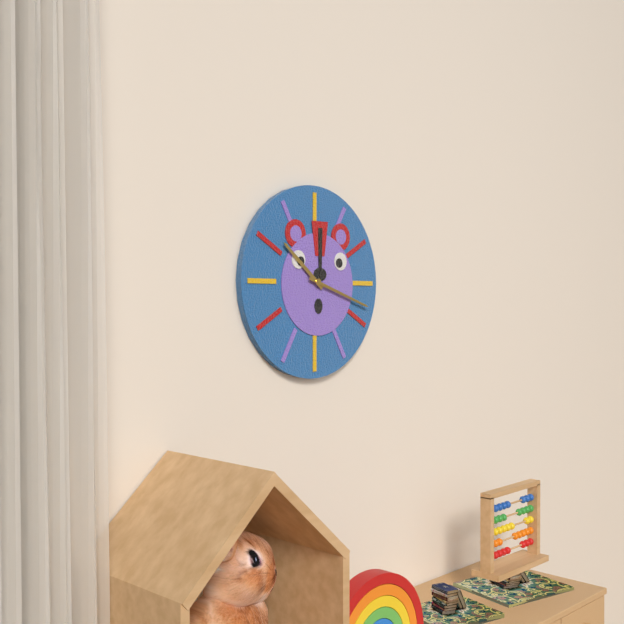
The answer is 10h18
